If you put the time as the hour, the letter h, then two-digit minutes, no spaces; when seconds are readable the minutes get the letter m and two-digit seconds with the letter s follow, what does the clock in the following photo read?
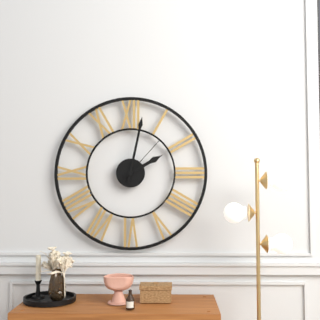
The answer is 2h02m07s
